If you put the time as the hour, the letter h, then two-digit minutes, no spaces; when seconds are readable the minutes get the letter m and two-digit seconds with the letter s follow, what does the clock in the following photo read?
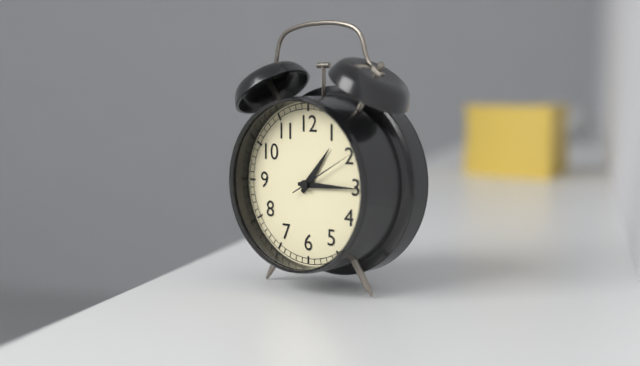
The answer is 1h15m10s
